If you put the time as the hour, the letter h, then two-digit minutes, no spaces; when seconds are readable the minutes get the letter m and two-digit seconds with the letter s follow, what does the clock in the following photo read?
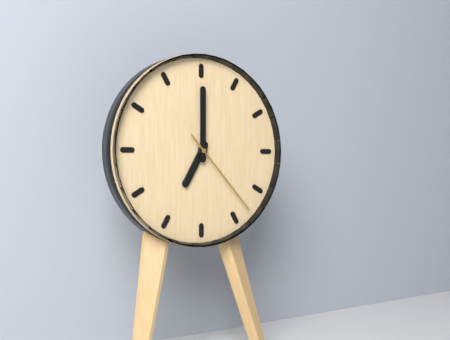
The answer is 7h00m23s
